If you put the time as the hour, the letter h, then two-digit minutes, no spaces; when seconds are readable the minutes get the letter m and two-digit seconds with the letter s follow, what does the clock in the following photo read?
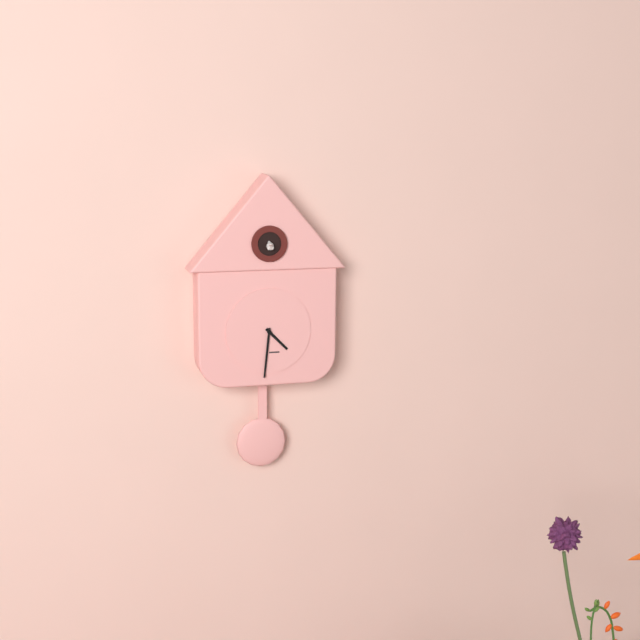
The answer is 4h31
